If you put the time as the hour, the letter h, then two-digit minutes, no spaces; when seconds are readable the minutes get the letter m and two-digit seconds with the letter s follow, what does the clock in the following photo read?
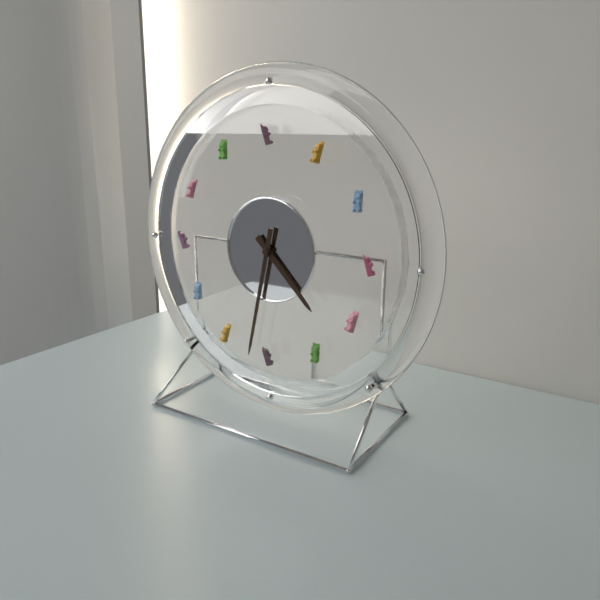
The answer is 4h32
